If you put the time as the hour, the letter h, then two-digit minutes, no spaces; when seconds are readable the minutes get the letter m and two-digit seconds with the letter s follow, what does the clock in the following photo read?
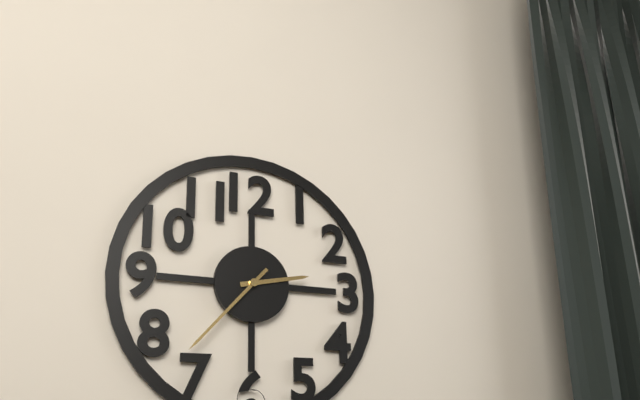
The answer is 2h37
